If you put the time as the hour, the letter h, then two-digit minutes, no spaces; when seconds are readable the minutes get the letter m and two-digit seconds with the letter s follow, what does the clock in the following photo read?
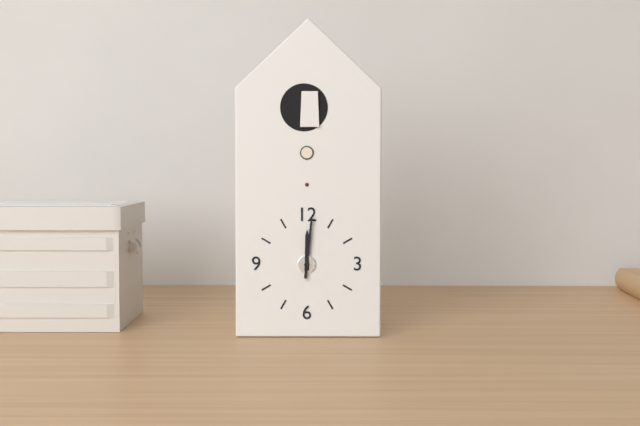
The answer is 12h01
